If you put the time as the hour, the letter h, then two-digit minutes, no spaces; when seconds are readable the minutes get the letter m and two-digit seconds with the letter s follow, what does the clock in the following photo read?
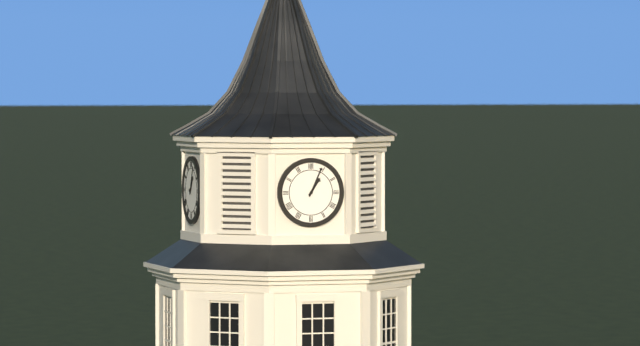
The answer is 1h04
